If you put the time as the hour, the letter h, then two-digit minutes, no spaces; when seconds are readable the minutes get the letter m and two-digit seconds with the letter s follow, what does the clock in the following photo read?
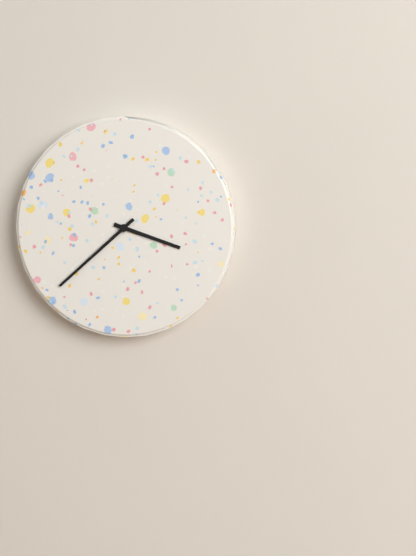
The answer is 3h38
